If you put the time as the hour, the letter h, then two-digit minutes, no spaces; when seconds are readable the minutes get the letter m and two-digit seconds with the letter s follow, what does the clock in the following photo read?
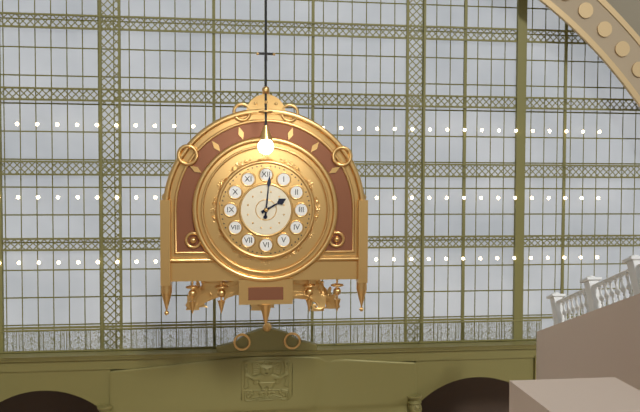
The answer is 2h01
